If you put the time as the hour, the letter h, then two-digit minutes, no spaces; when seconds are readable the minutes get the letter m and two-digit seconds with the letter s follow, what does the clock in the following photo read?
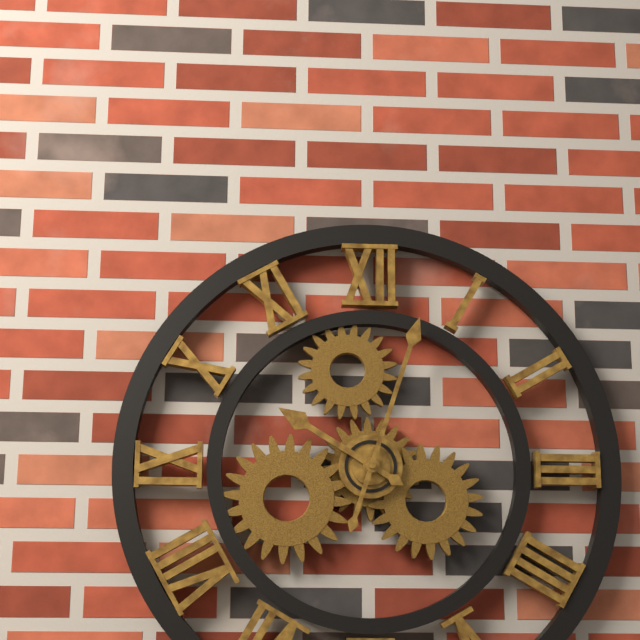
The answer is 10h03
